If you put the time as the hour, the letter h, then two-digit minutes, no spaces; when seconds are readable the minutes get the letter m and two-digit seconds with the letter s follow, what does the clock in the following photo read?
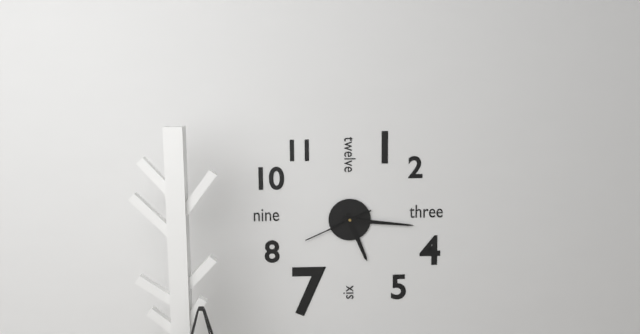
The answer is 5h16m41s
